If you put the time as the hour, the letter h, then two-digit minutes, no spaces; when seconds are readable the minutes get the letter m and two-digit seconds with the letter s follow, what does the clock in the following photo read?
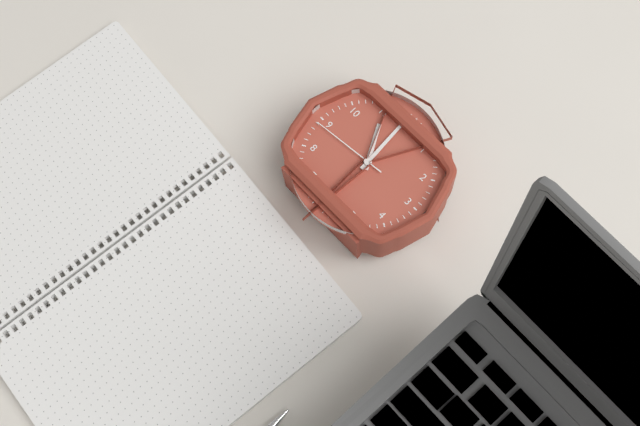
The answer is 10h59m44s
